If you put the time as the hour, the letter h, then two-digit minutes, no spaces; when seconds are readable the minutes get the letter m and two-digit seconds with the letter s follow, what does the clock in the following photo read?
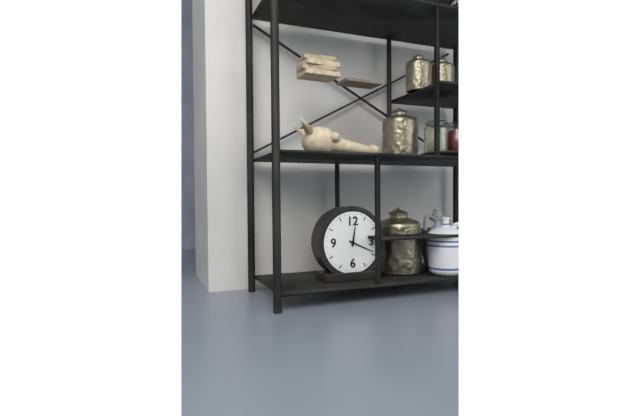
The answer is 12h19
